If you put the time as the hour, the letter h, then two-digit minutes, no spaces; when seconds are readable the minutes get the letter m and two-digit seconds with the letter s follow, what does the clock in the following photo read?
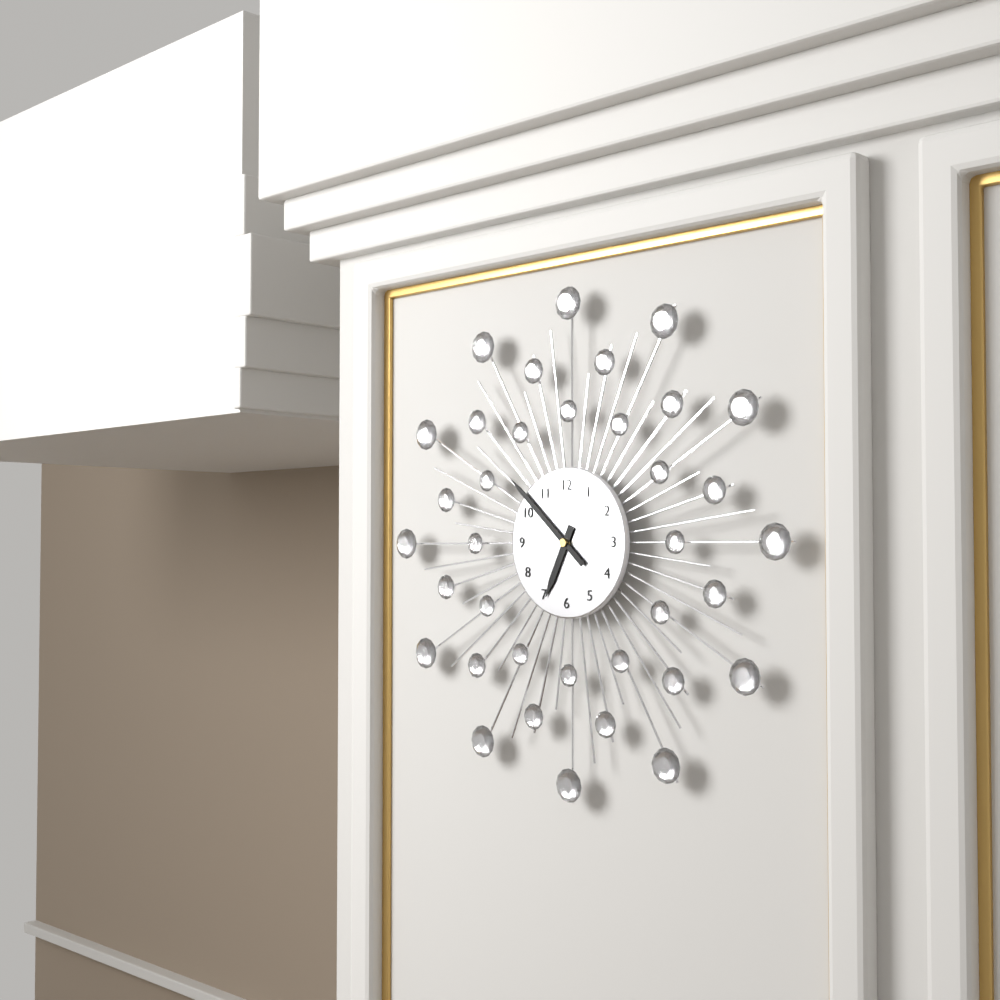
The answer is 6h52
